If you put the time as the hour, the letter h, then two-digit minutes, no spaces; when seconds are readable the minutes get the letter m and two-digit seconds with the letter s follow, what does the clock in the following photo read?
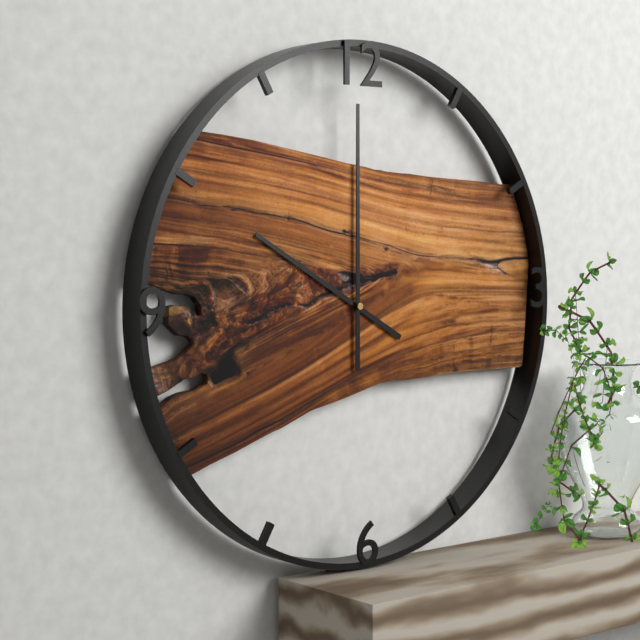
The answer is 10h00
